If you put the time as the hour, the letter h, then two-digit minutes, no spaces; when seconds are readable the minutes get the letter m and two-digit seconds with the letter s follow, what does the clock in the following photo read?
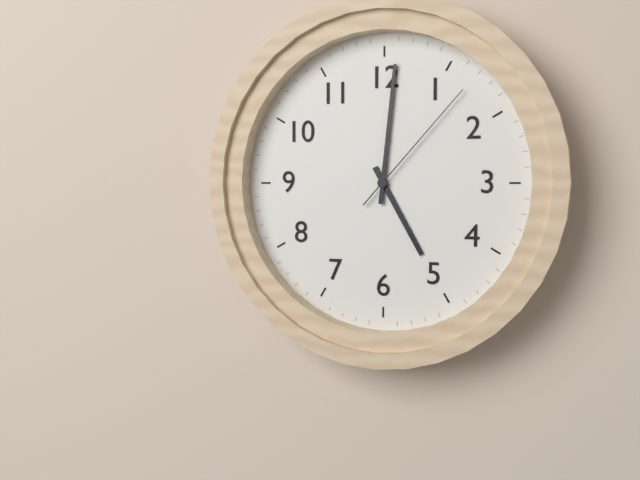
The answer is 5h01m07s
